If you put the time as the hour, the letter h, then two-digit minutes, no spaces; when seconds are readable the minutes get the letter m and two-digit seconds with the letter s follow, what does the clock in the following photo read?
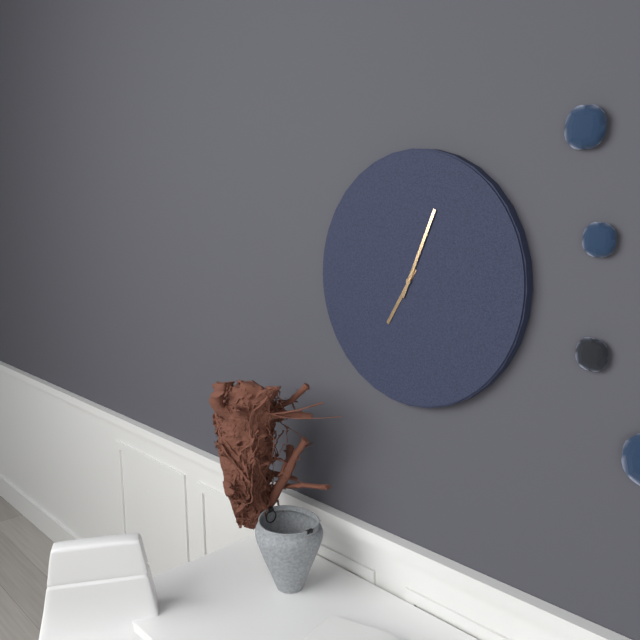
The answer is 7h04
